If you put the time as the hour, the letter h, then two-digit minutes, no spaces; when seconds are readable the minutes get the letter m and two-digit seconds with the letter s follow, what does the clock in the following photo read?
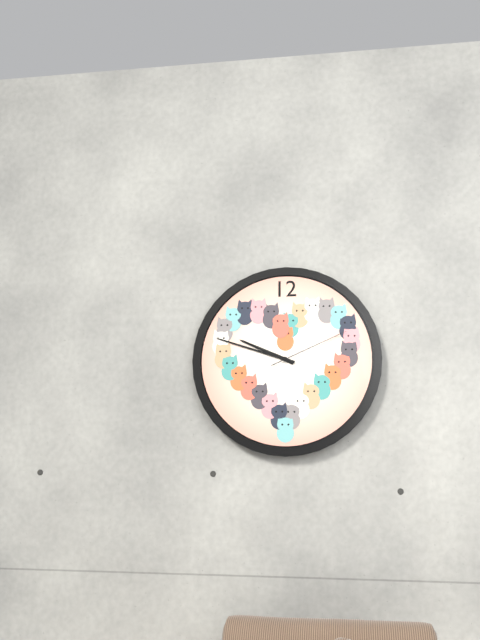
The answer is 9h48m11s
